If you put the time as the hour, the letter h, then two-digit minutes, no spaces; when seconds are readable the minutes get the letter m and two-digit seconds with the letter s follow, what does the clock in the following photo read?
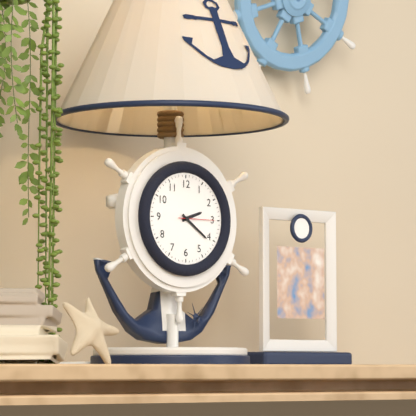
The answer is 2h21
